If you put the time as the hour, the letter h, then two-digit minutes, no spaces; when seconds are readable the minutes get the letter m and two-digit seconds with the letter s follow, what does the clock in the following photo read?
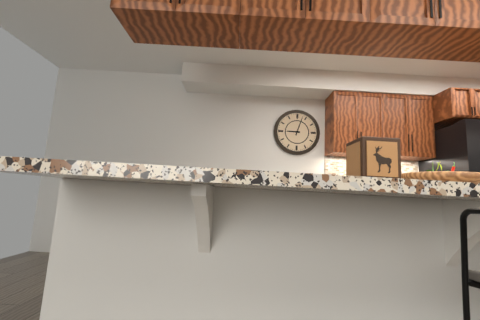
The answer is 9h03
